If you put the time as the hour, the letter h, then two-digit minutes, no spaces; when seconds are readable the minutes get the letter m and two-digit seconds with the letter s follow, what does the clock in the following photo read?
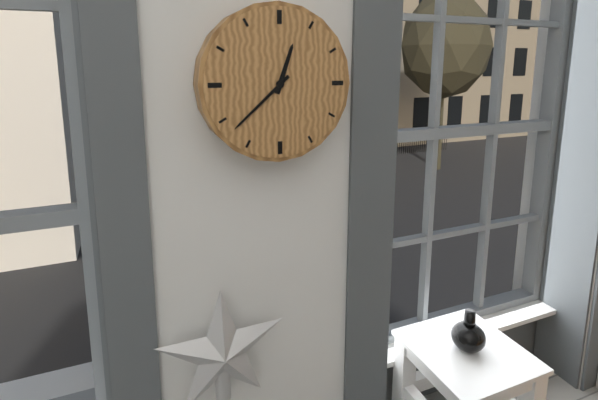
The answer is 12h38
